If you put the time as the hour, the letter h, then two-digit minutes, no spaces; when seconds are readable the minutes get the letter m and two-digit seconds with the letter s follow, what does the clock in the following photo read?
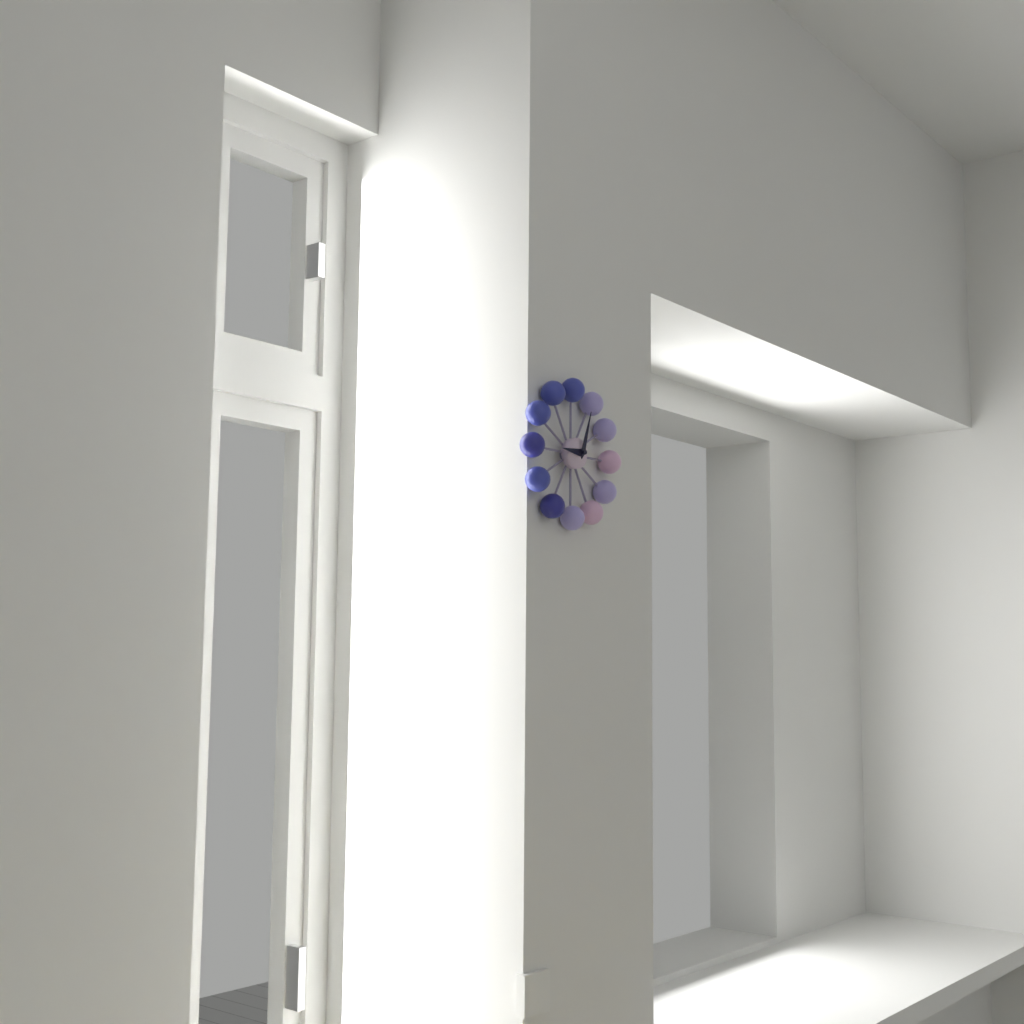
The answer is 9h03
